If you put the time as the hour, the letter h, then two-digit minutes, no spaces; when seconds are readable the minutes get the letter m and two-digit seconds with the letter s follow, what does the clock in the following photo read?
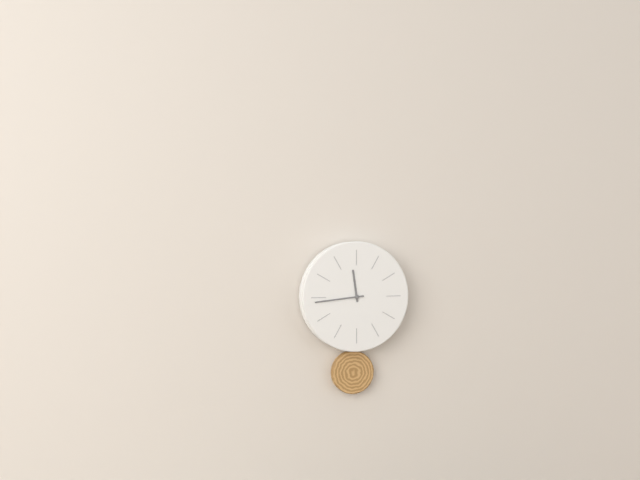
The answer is 11h44
